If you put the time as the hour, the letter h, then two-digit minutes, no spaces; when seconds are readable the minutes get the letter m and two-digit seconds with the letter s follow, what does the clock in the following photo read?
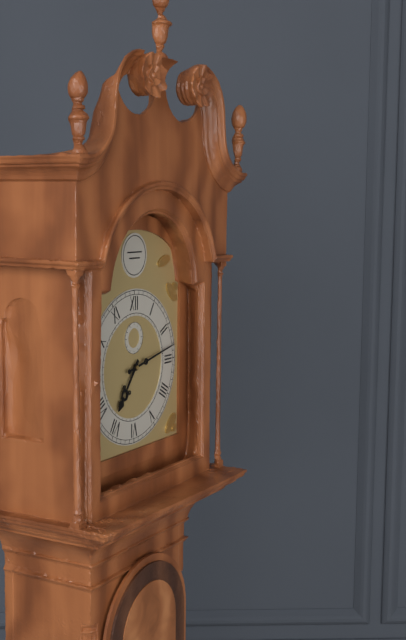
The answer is 7h13
